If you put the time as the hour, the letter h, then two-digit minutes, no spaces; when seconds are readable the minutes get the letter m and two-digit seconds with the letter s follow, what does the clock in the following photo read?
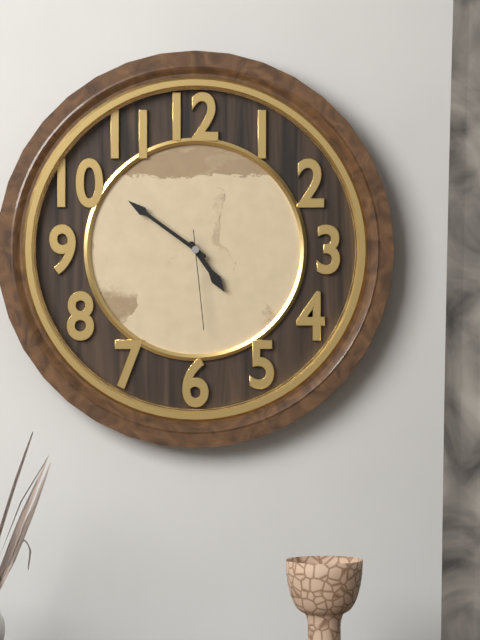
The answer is 4h51m29s
